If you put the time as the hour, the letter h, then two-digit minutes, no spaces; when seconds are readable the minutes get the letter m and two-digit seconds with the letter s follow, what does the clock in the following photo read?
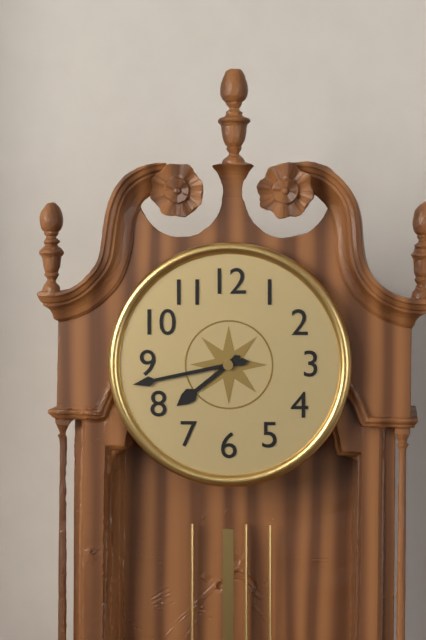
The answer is 7h43
